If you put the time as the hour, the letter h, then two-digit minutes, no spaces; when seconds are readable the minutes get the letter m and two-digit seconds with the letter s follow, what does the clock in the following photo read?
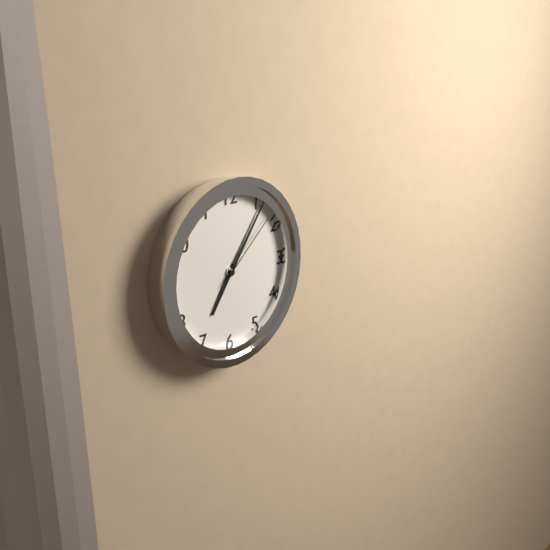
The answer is 7h06m08s
